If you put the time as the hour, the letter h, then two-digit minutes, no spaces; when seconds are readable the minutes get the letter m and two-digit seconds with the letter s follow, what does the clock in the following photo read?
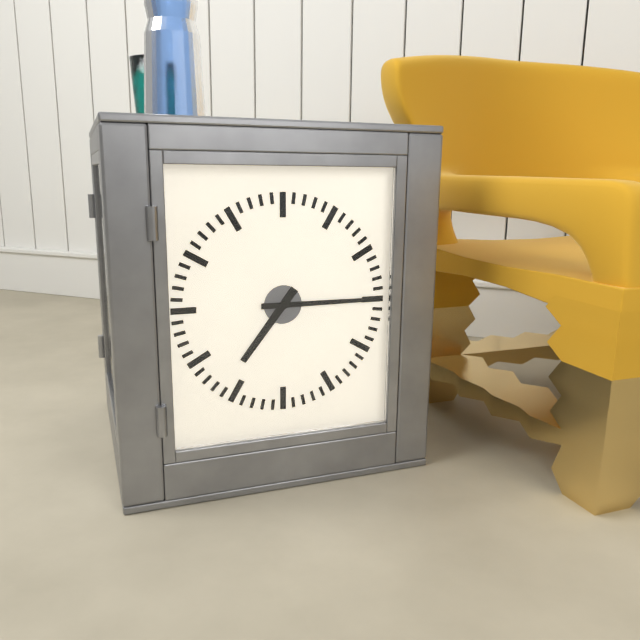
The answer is 7h15
